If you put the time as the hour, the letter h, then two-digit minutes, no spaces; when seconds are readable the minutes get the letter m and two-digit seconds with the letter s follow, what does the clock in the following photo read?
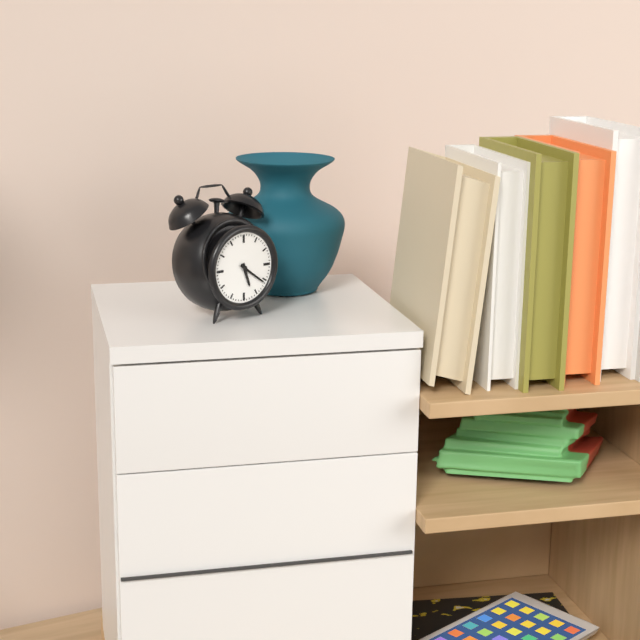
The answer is 5h21
